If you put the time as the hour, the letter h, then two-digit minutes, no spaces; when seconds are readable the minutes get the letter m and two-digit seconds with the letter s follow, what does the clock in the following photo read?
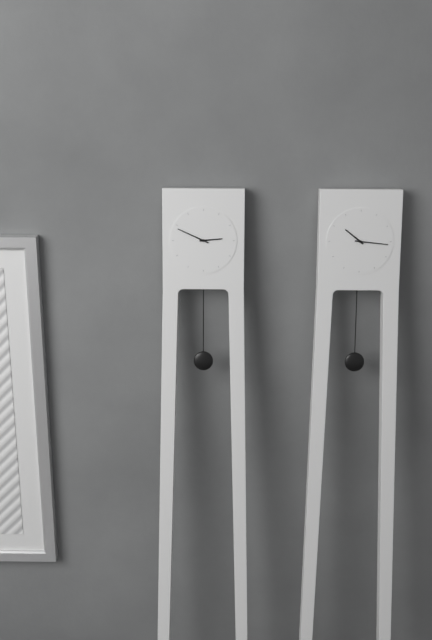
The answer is 2h49
